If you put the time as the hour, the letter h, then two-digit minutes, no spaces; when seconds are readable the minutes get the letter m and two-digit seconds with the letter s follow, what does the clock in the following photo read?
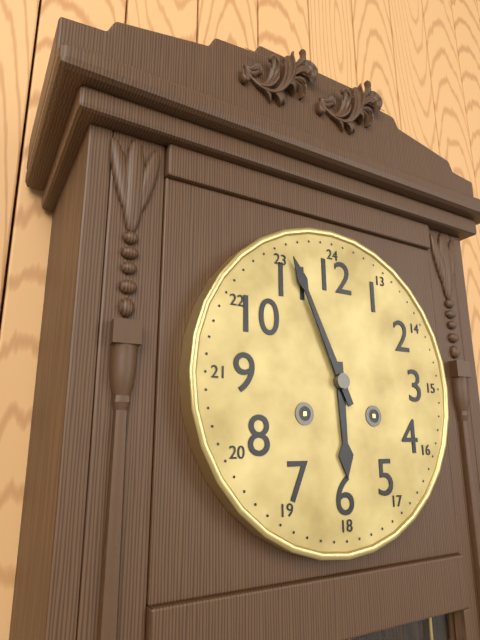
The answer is 5h56
